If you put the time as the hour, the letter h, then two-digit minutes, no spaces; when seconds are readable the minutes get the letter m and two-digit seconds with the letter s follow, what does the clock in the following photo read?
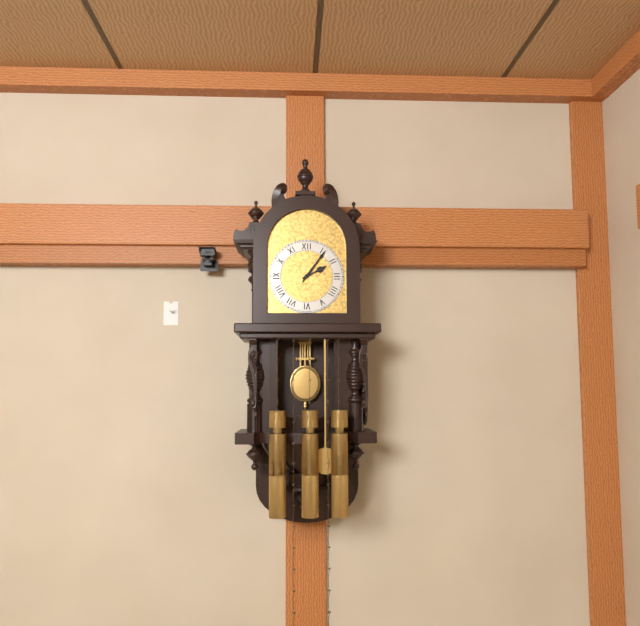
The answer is 2h06
